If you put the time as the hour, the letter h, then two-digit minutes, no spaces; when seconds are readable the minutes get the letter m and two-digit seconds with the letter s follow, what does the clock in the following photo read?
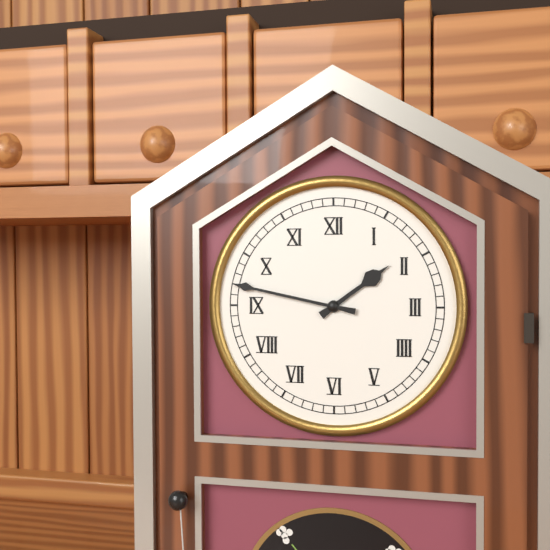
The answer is 1h47
